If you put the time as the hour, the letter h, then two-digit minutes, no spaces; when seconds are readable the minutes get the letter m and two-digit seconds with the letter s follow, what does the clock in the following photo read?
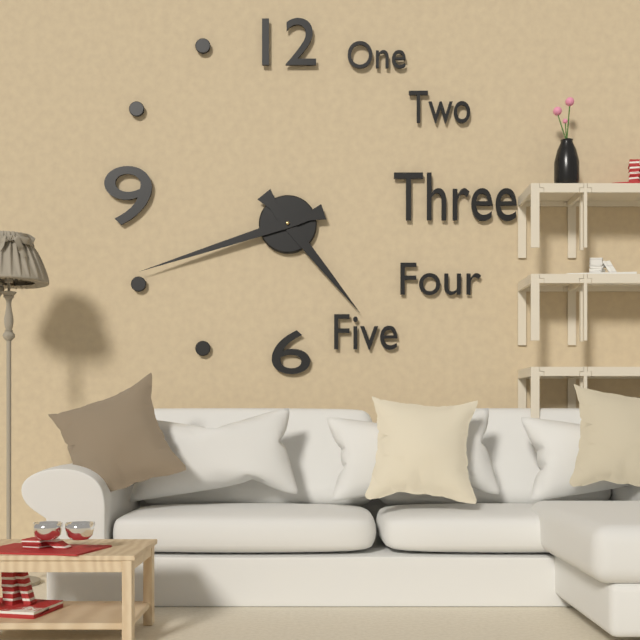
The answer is 4h42
